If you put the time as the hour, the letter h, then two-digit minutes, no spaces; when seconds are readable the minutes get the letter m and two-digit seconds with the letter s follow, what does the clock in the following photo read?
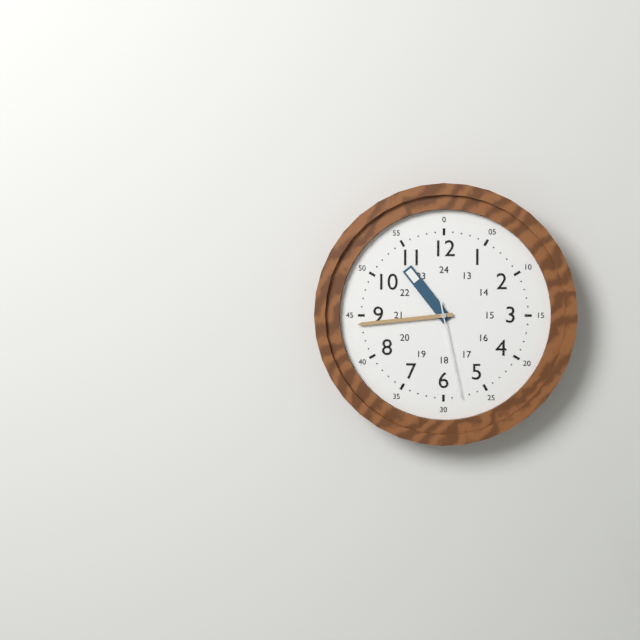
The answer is 10h44m28s
